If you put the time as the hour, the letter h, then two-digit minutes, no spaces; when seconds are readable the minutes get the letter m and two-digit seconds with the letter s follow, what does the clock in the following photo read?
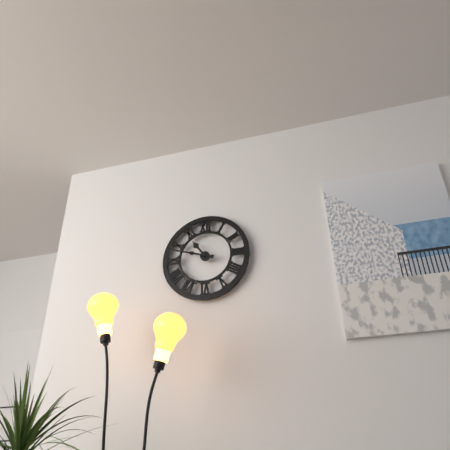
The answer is 10h48
